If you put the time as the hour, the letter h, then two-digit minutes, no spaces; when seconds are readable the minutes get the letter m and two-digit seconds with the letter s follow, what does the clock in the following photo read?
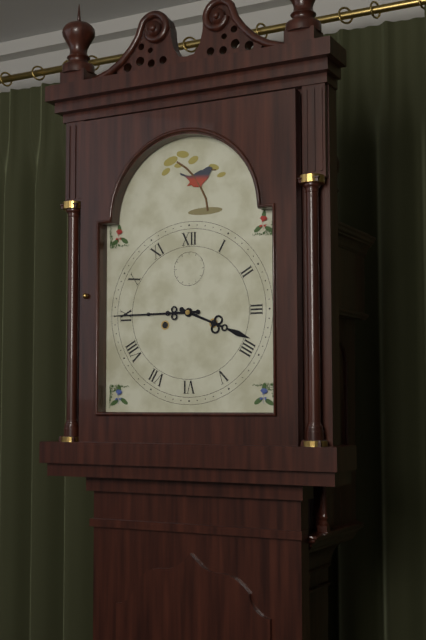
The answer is 3h45
